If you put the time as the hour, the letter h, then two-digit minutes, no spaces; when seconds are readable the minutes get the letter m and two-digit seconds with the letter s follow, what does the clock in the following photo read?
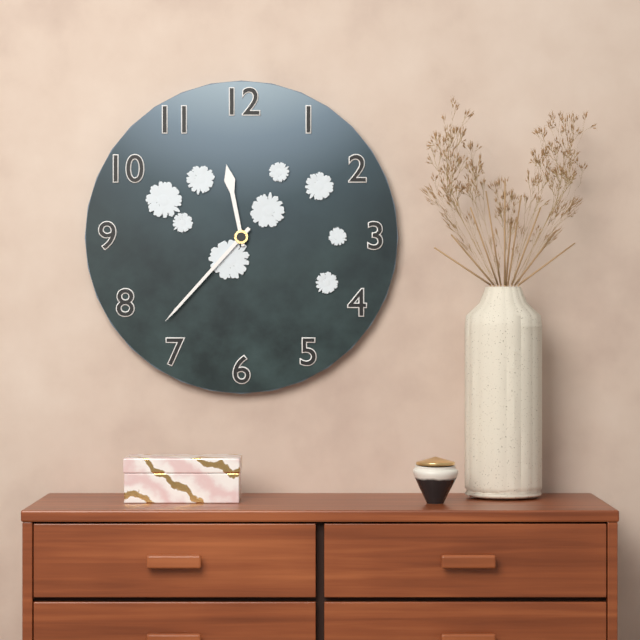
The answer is 11h37
